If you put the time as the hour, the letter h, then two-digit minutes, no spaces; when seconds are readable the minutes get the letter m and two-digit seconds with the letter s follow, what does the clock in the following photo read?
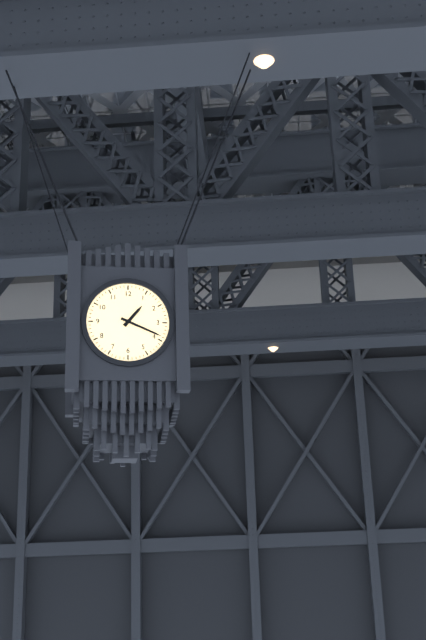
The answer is 1h19
